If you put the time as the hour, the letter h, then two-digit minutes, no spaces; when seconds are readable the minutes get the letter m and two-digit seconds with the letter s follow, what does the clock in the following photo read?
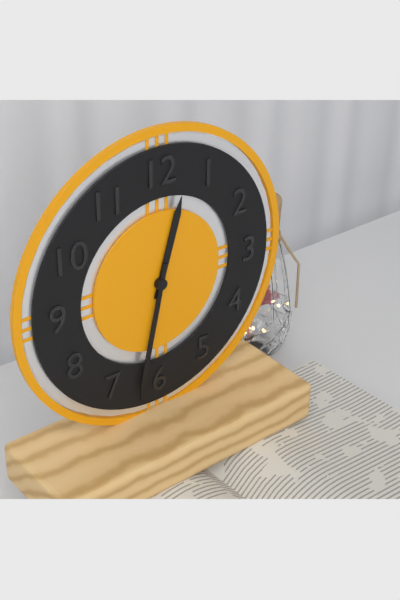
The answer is 12h32
